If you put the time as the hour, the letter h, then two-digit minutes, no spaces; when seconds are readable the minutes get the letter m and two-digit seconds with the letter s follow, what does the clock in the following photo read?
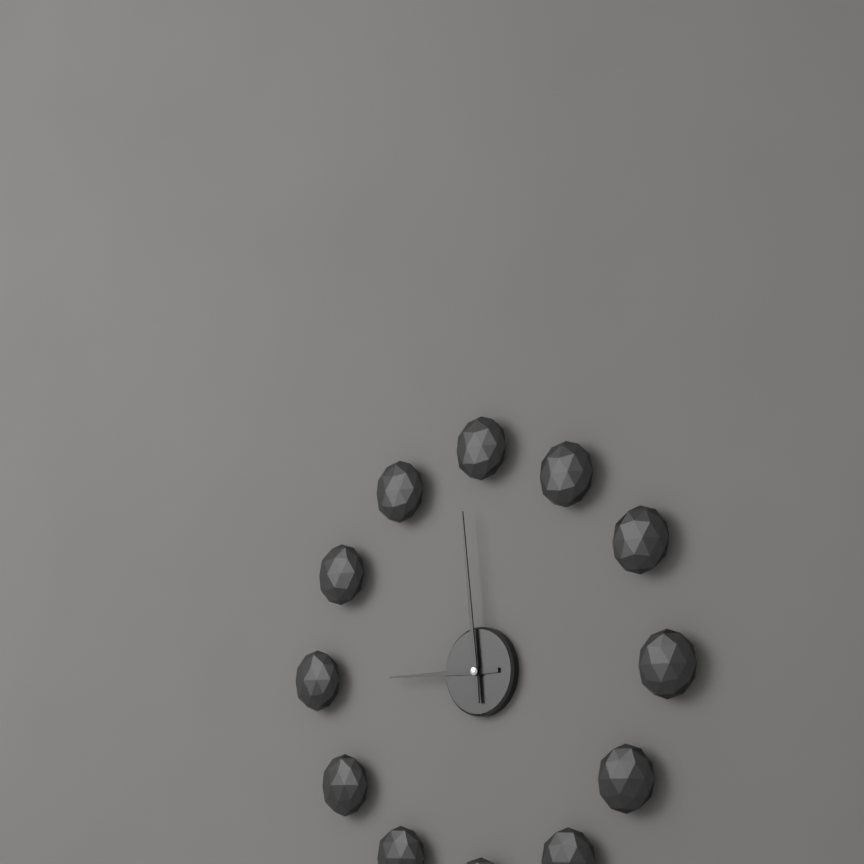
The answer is 8h59
